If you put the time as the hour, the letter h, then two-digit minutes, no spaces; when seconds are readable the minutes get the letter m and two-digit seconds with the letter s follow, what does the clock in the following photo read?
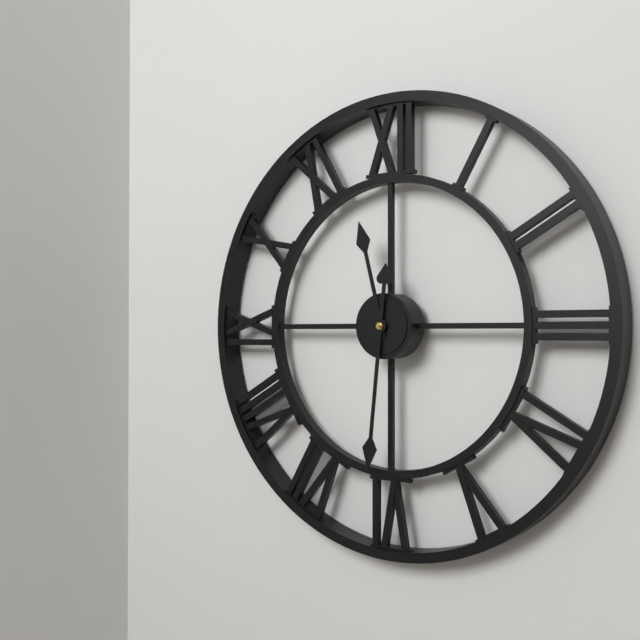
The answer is 11h31
